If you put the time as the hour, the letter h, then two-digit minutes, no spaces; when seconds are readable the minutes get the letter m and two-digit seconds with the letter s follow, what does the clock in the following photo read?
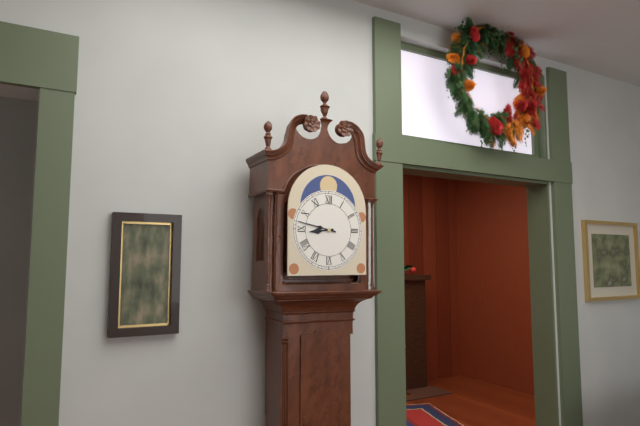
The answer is 8h47
